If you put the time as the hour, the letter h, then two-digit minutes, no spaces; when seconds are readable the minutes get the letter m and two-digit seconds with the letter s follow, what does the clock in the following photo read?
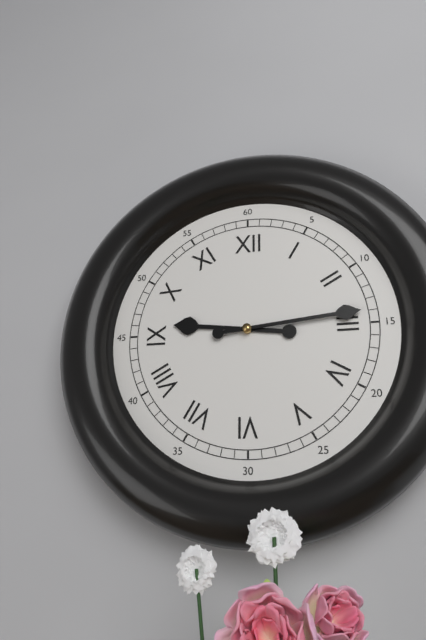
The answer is 9h14
